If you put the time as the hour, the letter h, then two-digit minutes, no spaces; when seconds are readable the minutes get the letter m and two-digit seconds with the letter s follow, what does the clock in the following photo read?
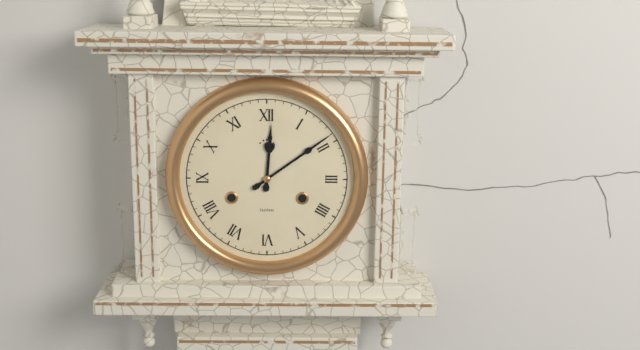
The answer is 12h09
